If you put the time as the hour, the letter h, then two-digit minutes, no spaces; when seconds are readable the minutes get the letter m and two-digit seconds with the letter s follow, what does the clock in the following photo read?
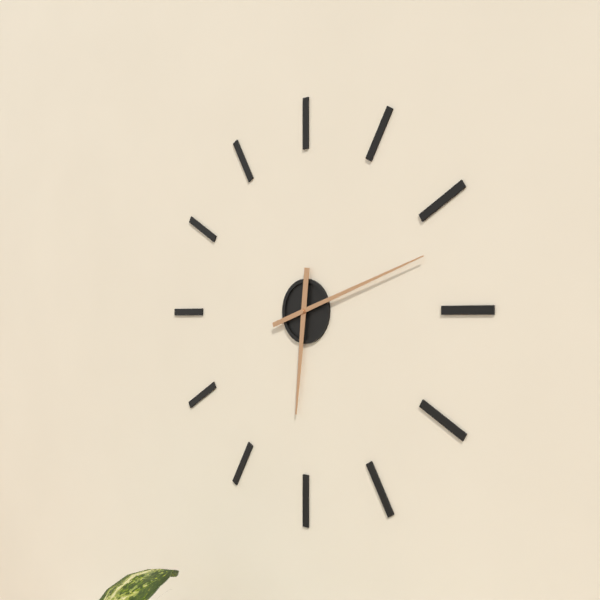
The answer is 6h12
